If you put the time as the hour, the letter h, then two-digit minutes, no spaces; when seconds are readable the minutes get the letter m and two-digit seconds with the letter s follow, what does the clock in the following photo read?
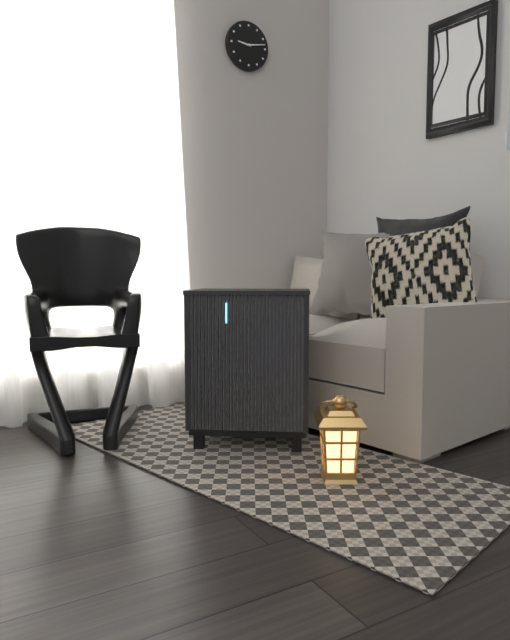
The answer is 9h13
